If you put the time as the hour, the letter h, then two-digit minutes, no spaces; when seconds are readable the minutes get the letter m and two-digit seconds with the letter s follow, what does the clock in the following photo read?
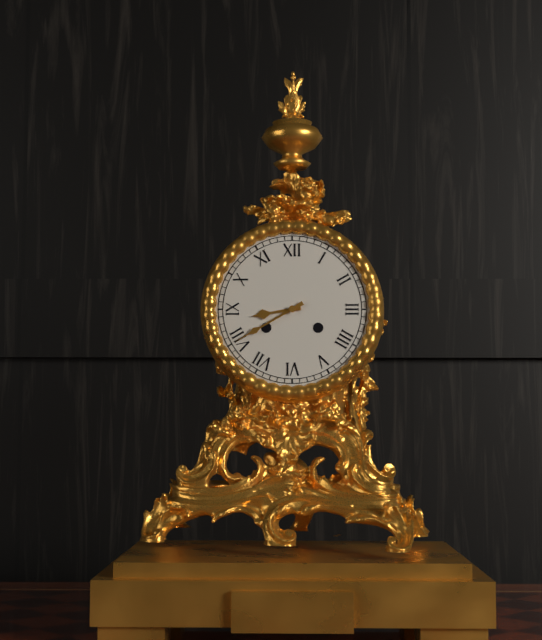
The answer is 8h40
